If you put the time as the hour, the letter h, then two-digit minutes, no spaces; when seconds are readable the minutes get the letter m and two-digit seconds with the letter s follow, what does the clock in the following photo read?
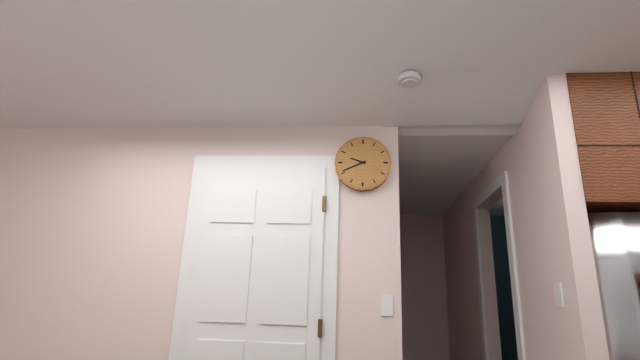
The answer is 9h41
